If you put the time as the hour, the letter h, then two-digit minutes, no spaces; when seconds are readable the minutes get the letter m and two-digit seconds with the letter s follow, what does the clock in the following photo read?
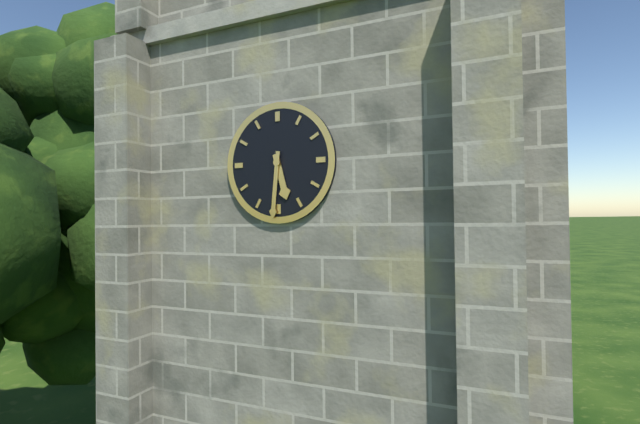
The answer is 5h31
